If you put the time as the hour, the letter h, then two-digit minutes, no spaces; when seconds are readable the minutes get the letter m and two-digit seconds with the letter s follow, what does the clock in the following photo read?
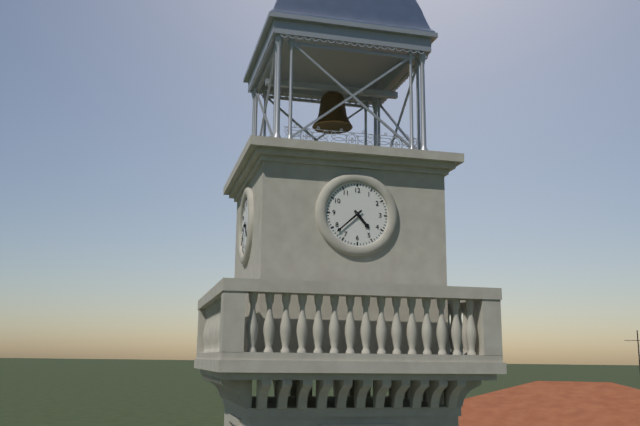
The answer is 4h38
